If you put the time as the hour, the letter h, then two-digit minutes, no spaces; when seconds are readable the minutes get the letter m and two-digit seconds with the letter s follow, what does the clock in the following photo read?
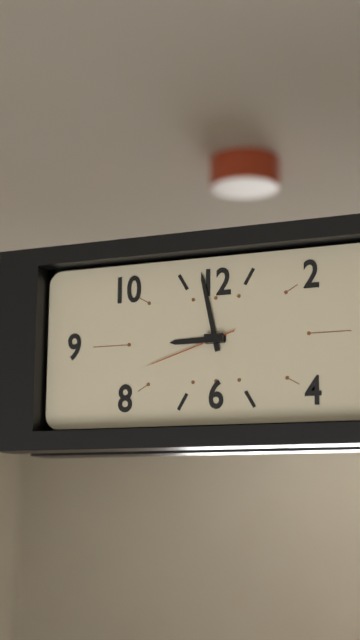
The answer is 8h58m42s
